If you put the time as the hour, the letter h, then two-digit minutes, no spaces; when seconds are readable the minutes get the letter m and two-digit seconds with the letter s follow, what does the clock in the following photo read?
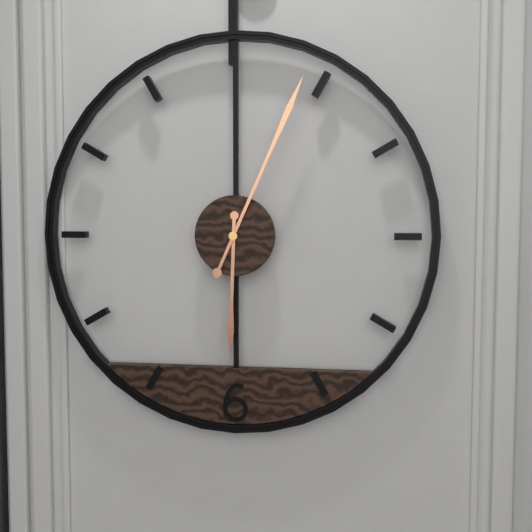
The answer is 6h04
